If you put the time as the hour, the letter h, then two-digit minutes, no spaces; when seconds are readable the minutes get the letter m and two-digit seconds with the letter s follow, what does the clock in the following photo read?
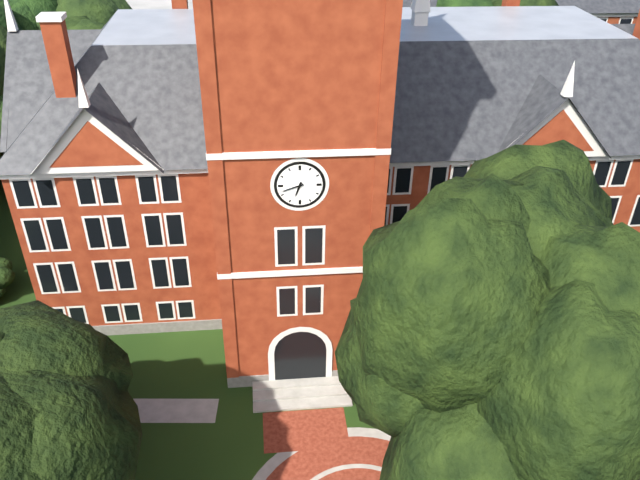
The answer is 6h42
